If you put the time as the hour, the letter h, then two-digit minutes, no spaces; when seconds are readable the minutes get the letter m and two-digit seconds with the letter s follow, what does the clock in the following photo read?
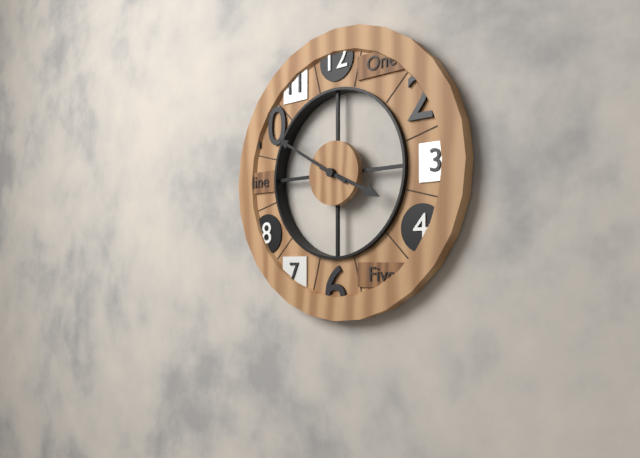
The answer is 3h50
